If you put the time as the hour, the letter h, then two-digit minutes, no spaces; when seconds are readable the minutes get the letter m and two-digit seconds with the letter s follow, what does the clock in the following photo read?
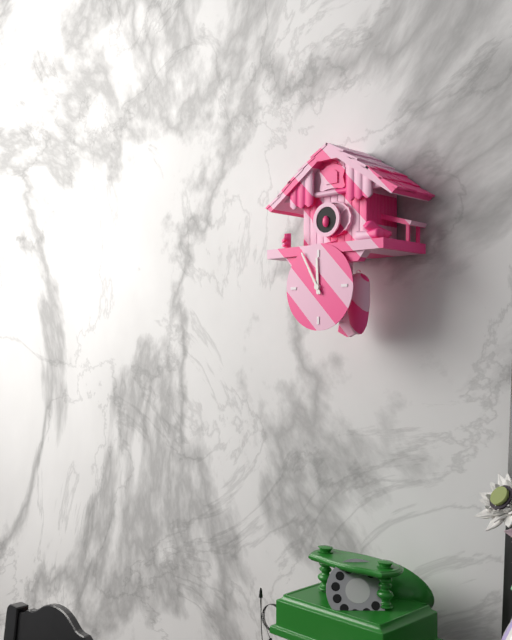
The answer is 11h55
